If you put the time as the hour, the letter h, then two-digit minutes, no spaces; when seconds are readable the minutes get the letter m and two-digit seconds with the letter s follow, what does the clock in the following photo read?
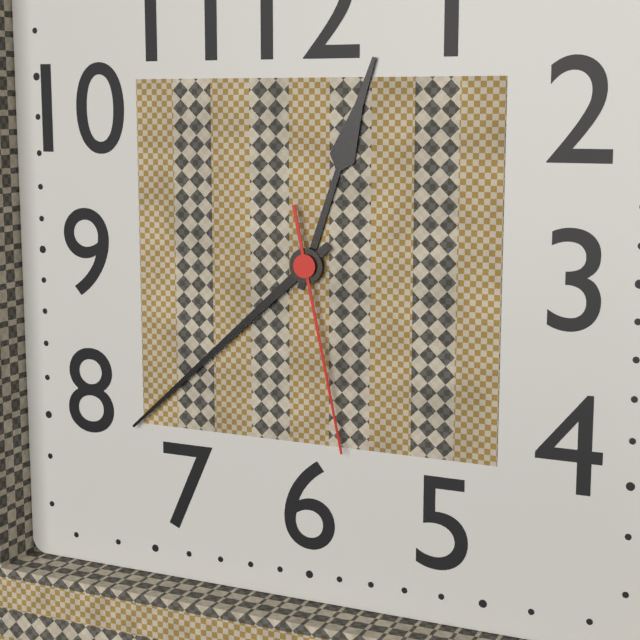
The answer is 12h38m28s
